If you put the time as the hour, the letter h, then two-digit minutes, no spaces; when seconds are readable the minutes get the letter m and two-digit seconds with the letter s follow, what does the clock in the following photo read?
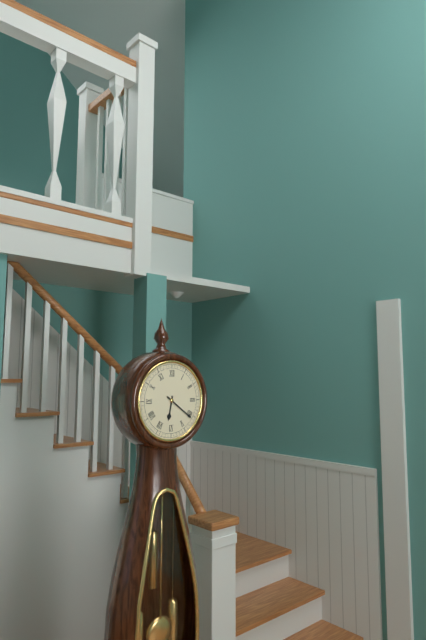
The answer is 6h21
